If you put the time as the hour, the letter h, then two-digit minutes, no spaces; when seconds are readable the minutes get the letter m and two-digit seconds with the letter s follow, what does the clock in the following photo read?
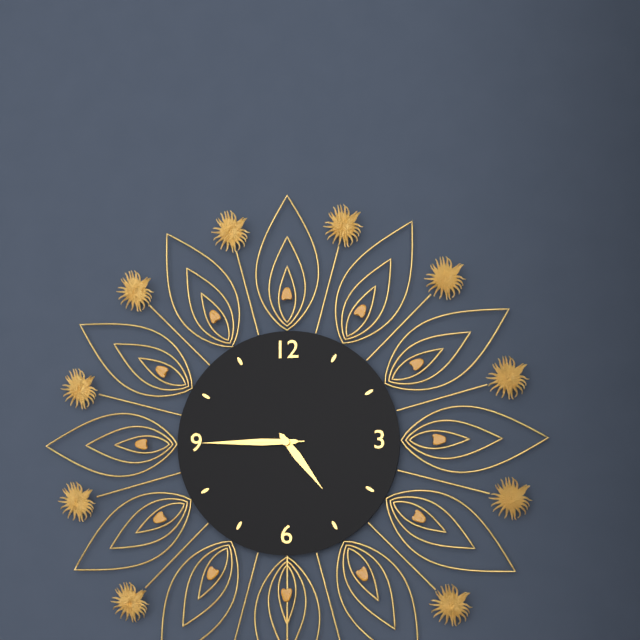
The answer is 4h45m45s
